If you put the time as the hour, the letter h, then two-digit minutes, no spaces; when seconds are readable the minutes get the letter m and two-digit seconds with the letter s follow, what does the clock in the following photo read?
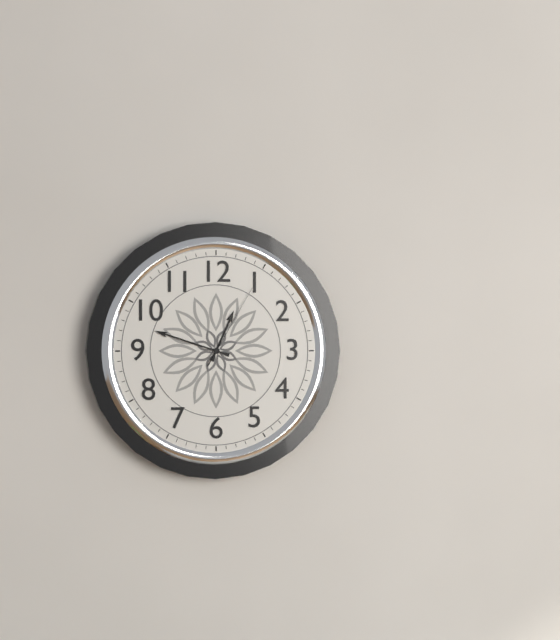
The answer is 12h48m05s
